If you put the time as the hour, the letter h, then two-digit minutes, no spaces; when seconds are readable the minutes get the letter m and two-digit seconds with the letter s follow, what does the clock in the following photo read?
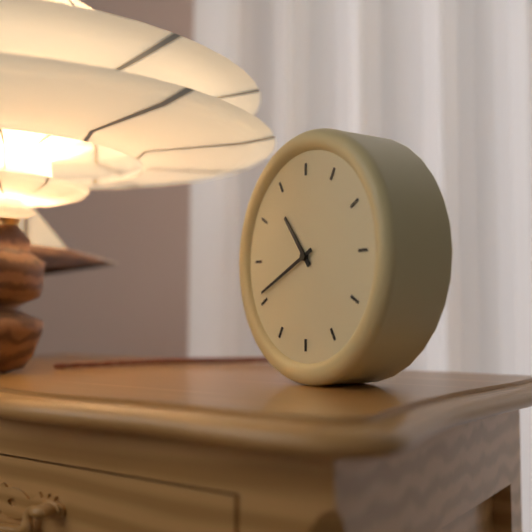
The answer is 10h41
